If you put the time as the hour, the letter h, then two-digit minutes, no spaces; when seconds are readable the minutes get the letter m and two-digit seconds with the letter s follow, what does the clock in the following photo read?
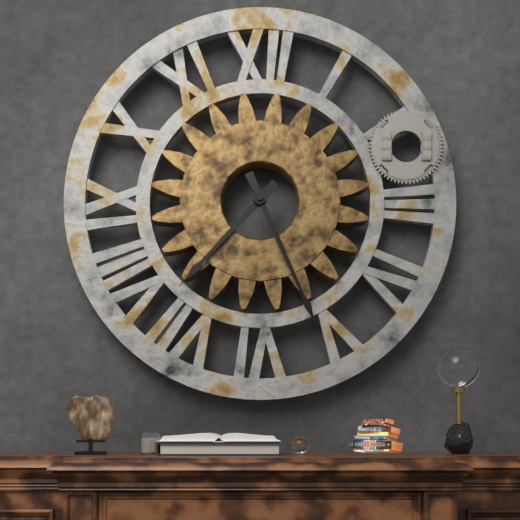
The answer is 7h26
